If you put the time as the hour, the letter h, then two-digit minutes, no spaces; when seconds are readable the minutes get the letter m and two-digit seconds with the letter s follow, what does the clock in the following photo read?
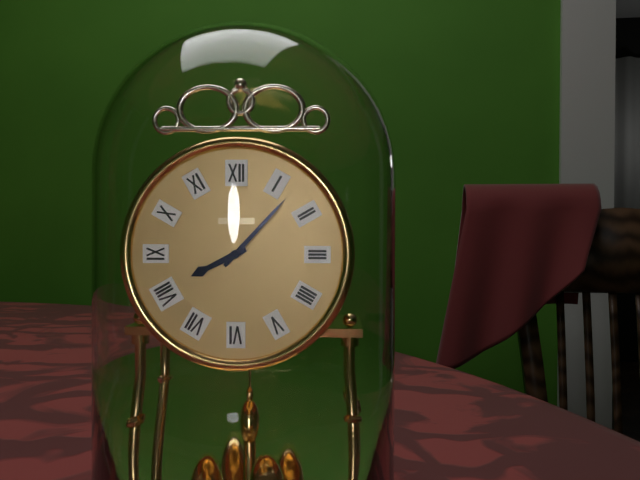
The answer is 8h07
